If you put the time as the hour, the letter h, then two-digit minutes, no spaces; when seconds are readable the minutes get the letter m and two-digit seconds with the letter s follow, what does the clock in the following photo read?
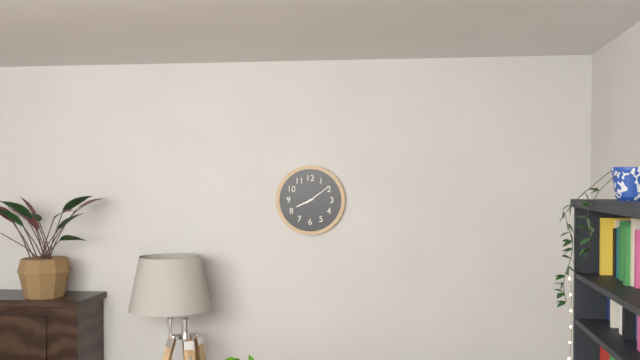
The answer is 8h09
